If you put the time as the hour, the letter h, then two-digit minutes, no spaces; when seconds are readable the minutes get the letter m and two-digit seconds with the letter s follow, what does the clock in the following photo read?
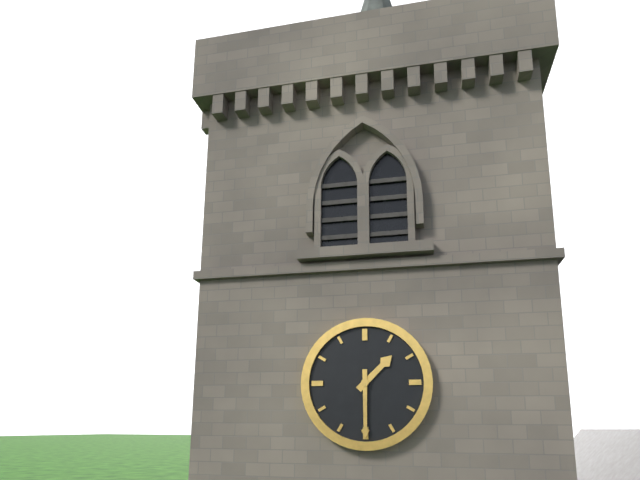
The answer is 1h30
